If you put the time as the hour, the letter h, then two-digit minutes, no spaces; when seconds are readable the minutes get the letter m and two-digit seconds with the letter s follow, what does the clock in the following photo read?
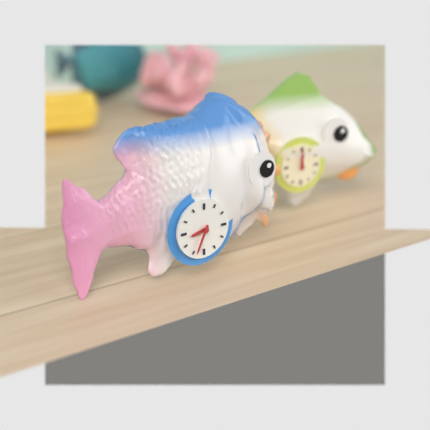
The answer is 8h34
